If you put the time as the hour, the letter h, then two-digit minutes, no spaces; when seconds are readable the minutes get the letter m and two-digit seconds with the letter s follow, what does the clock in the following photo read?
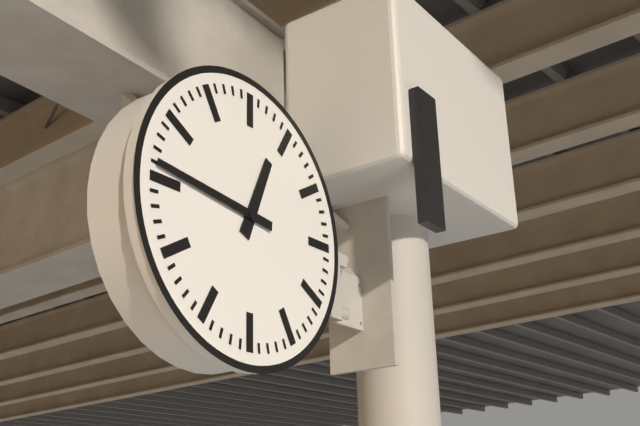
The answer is 12h46
